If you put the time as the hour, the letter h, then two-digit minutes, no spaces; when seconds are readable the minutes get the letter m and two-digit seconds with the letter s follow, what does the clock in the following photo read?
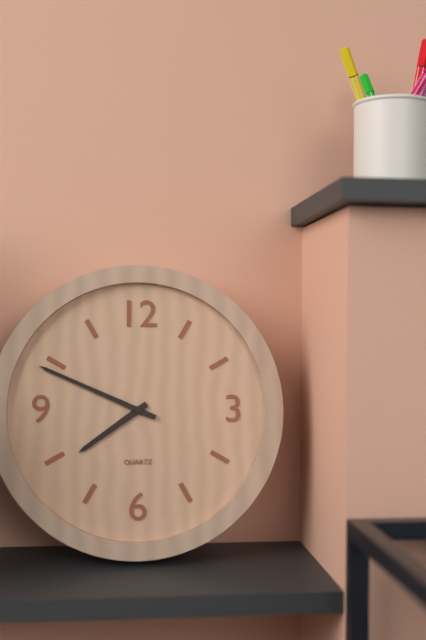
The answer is 7h49
